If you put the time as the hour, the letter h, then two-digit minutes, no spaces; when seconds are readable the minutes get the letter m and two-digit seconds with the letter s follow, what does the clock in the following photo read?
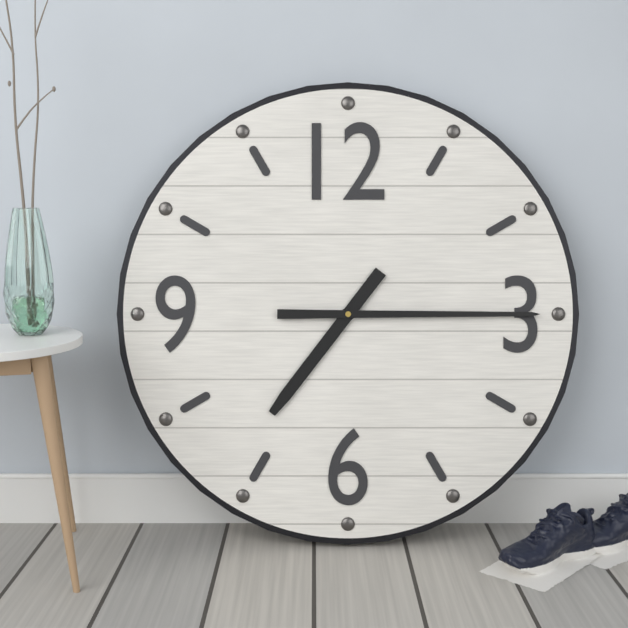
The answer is 7h15
